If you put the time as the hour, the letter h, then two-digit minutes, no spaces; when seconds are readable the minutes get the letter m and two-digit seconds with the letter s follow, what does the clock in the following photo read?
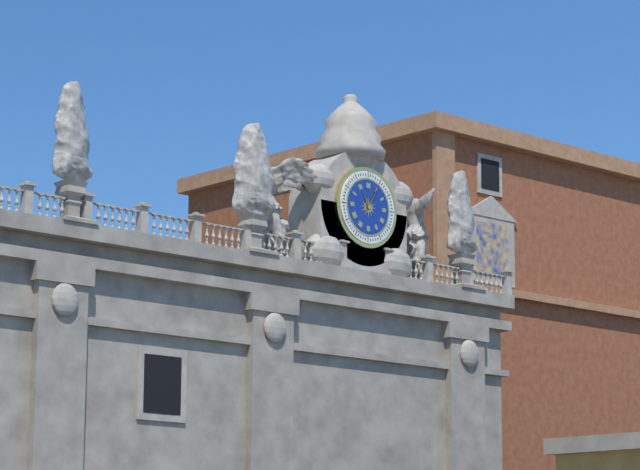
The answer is 11h05
